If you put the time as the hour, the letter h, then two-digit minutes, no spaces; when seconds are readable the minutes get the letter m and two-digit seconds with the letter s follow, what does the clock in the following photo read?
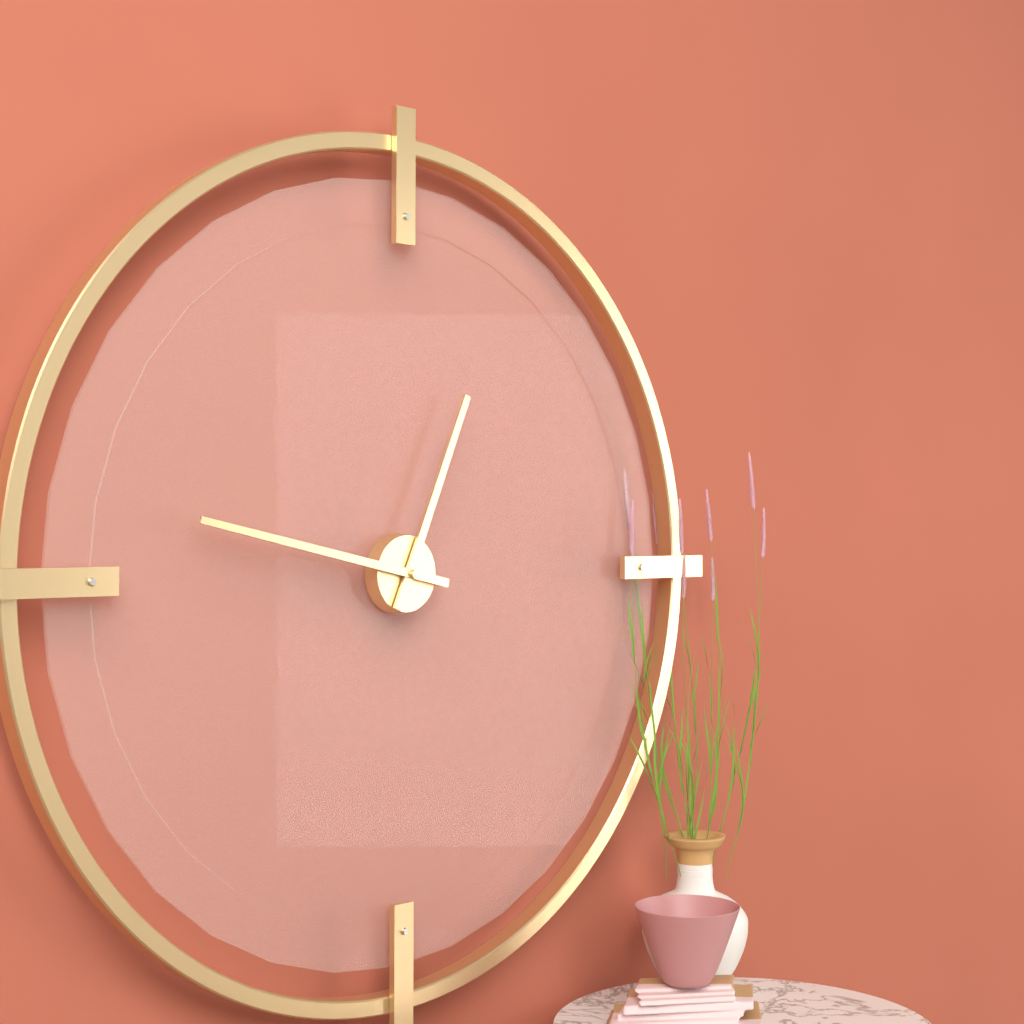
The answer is 12h47
